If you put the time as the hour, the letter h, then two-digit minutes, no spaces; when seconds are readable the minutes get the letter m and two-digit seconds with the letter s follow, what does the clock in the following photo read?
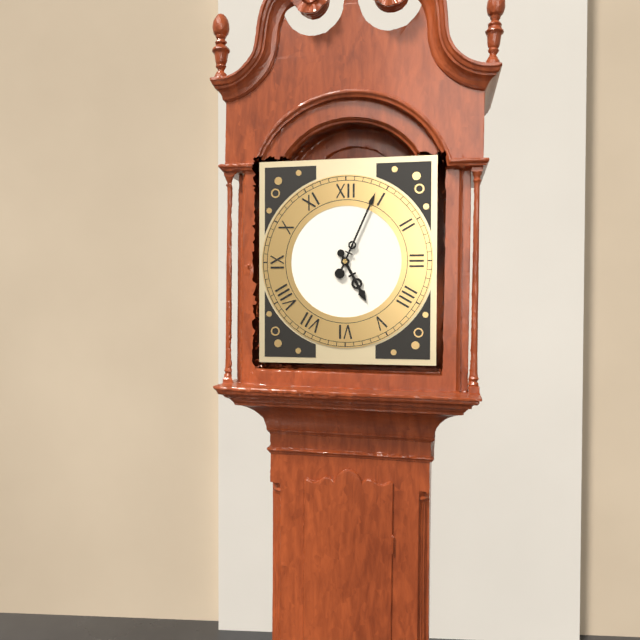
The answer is 5h04
